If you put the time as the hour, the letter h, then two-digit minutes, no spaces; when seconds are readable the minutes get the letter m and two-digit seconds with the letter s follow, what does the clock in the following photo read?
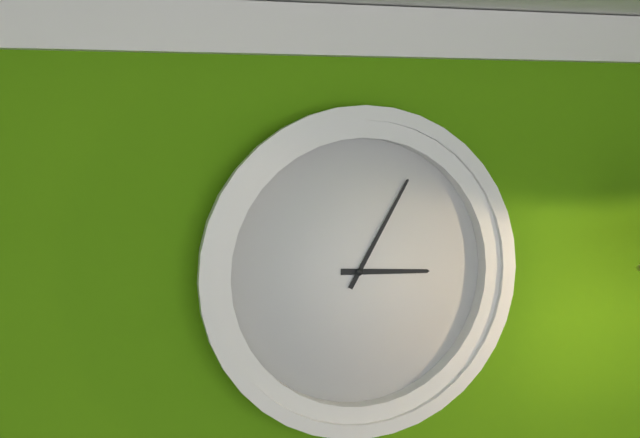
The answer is 3h05
